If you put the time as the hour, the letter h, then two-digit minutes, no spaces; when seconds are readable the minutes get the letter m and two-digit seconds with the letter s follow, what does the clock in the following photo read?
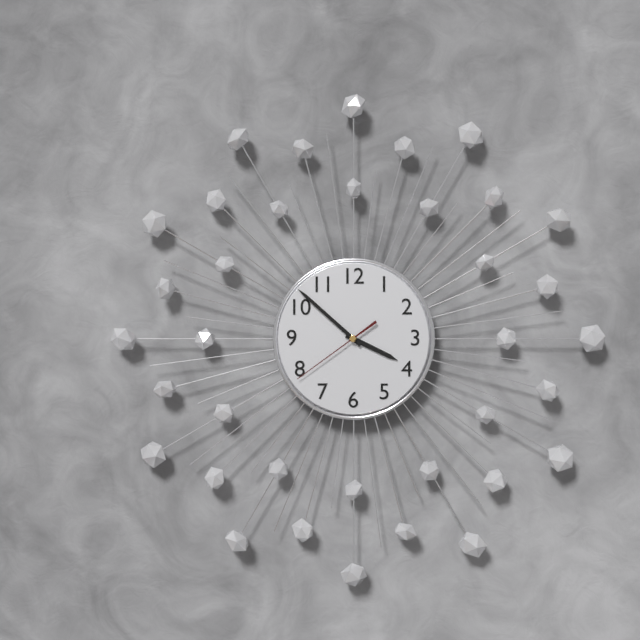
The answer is 3h52m39s
